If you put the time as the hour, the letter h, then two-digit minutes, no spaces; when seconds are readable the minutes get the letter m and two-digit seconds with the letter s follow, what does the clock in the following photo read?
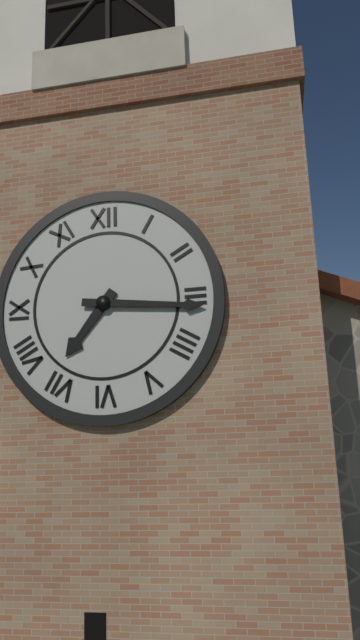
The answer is 7h16
